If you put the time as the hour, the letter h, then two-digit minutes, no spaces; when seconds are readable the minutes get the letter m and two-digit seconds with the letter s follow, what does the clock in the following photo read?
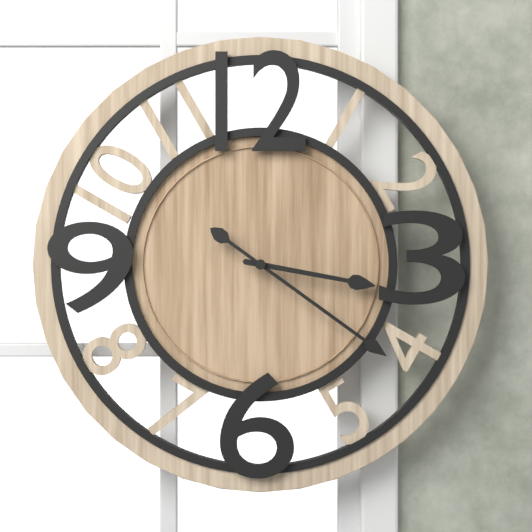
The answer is 3h21
